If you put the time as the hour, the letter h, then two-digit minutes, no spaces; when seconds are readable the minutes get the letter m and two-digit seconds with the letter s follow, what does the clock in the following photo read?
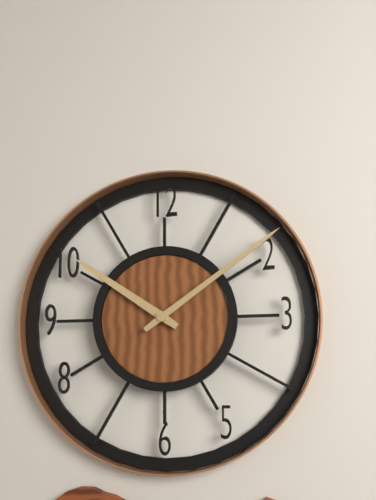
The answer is 10h09
